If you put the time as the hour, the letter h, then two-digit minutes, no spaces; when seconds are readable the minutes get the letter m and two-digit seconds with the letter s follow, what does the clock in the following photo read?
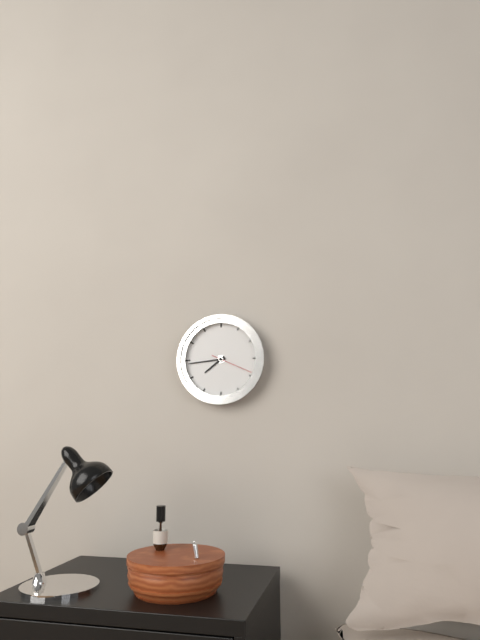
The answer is 7h44
